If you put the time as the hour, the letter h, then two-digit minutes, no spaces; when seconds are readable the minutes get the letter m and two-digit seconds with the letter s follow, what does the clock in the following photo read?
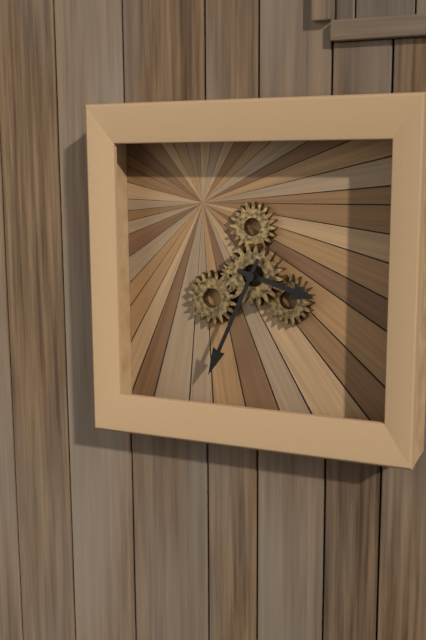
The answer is 3h34
